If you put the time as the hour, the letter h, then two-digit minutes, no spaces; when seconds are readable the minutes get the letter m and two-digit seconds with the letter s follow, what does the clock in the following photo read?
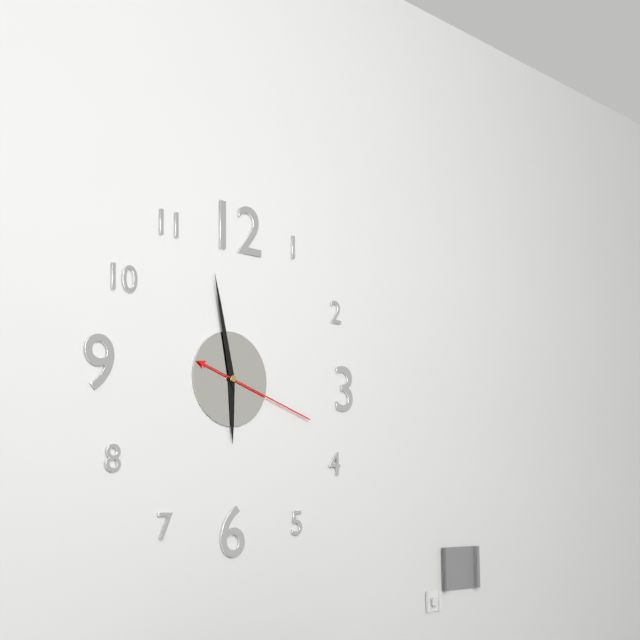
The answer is 5h58m18s
